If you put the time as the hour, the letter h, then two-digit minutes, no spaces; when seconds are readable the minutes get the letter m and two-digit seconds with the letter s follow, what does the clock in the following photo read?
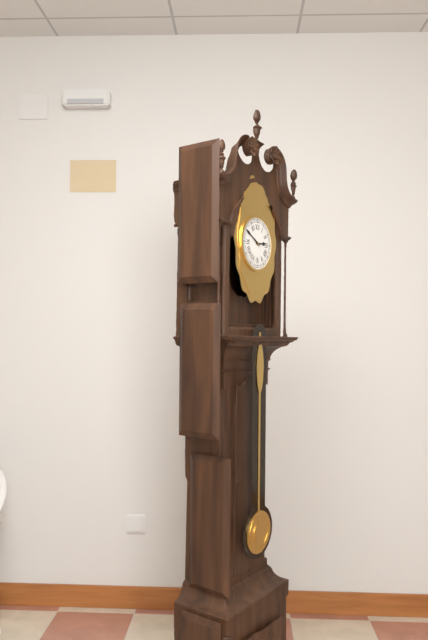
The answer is 2h50
